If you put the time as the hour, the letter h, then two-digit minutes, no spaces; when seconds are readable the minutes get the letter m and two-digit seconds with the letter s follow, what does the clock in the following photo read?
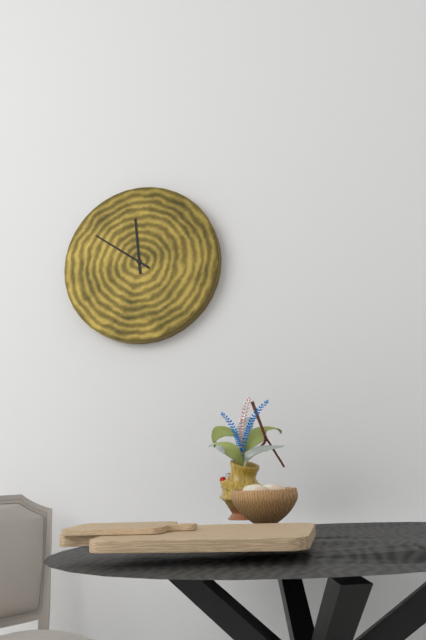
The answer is 11h51
